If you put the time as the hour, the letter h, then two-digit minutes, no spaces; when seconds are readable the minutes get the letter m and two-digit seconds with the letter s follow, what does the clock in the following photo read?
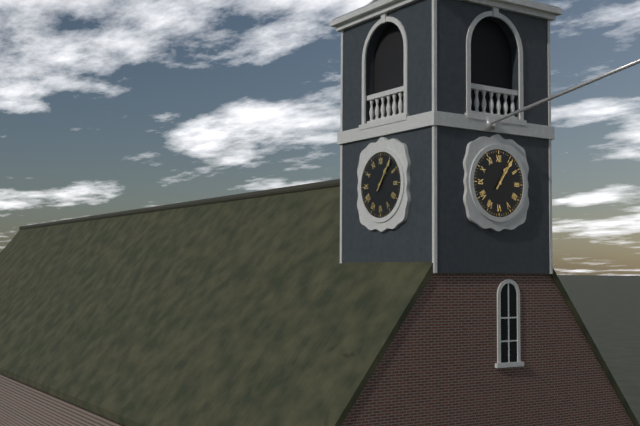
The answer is 1h06
